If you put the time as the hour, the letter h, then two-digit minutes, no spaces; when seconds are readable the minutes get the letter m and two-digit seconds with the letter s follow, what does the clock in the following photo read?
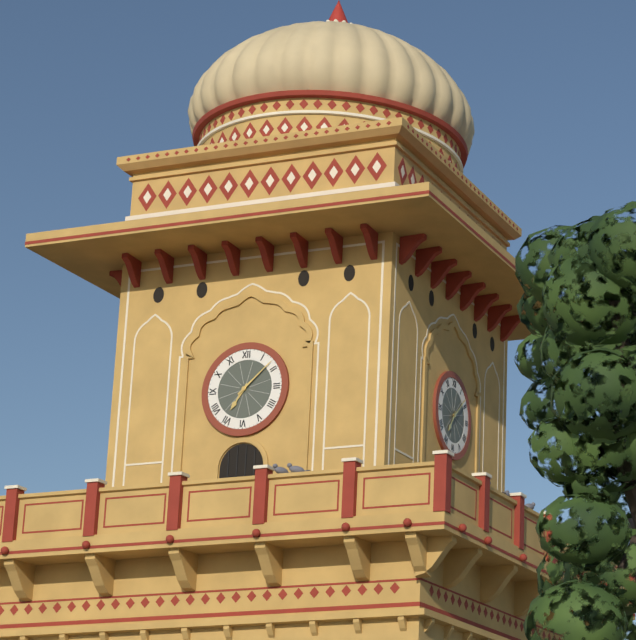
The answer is 7h08
